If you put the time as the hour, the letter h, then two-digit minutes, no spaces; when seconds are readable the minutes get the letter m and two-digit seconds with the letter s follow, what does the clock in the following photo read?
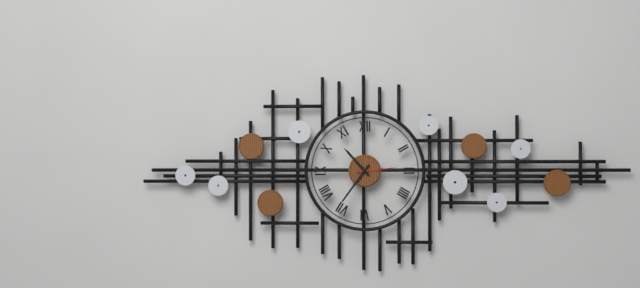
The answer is 10h36
